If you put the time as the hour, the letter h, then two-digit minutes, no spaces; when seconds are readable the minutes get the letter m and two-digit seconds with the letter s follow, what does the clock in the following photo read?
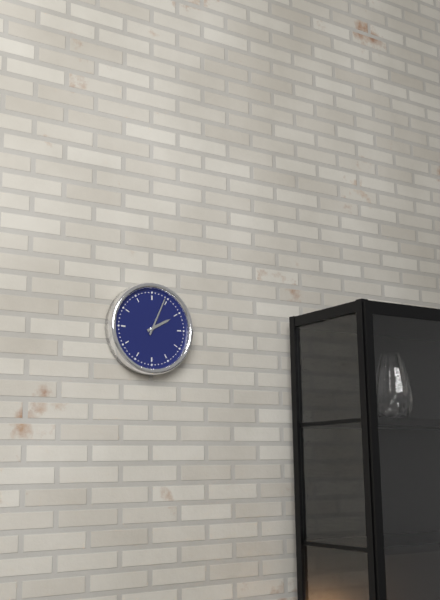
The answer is 2h04
